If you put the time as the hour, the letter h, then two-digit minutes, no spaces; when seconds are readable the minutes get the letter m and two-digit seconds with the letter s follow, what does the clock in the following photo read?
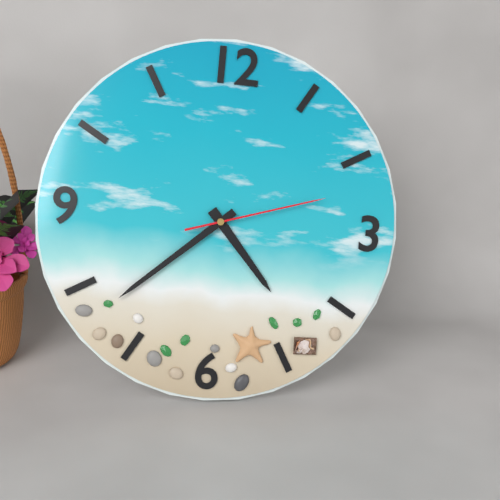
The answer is 4h38m12s
